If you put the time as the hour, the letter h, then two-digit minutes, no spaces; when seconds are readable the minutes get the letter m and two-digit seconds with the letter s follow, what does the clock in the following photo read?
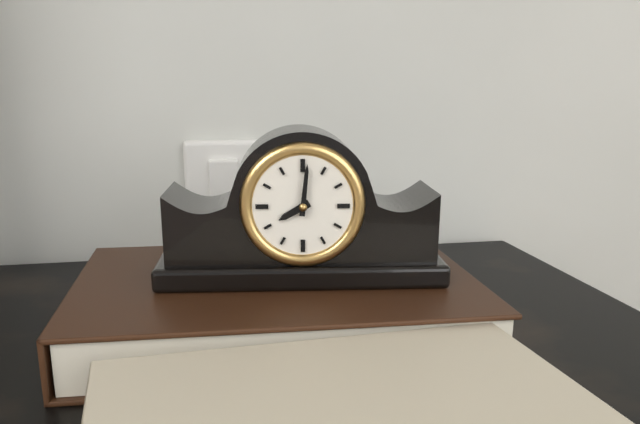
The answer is 8h01
